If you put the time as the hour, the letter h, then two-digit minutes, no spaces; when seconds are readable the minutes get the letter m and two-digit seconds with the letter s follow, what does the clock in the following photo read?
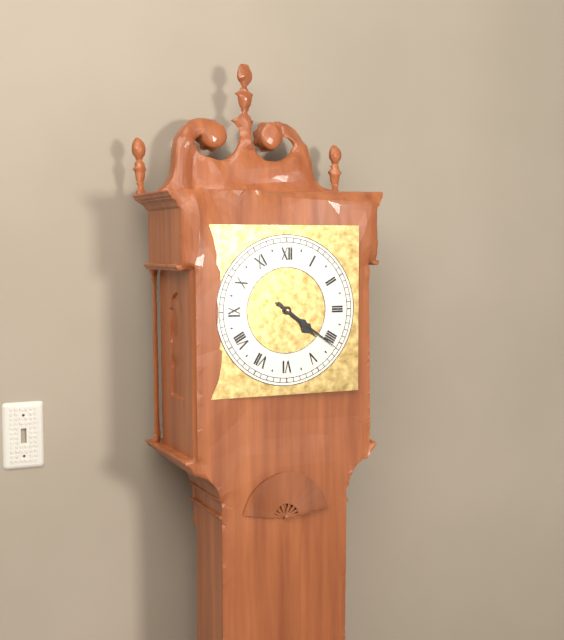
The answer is 4h21
